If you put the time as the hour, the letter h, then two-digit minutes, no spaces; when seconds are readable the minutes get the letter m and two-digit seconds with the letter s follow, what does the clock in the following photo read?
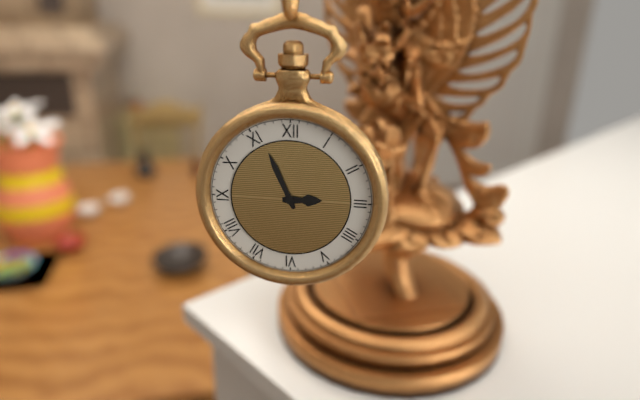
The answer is 2h56
